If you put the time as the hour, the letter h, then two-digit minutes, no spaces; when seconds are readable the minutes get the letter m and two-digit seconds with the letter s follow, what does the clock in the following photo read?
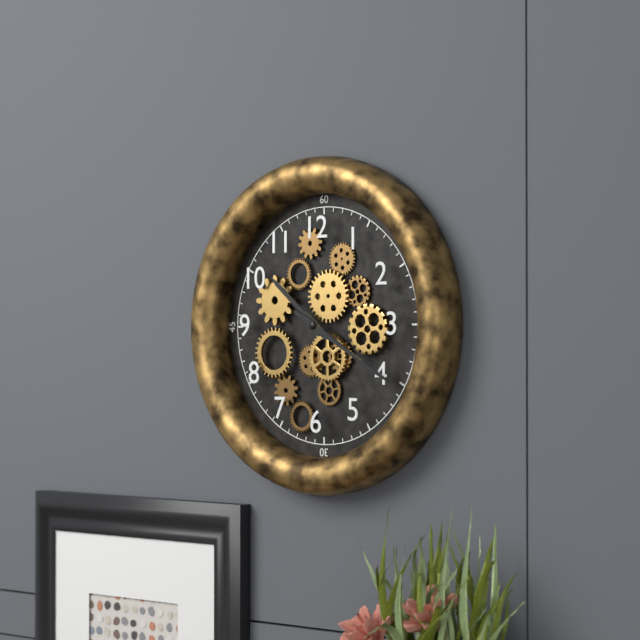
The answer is 10h20
